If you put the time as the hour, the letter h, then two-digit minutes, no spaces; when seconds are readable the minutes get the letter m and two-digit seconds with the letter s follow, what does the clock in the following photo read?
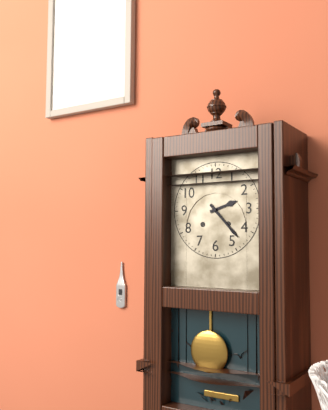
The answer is 2h23
